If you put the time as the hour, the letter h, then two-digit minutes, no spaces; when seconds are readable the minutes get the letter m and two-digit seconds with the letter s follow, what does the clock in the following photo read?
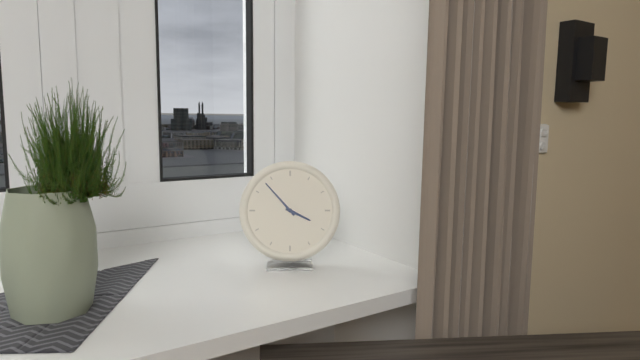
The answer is 3h53
